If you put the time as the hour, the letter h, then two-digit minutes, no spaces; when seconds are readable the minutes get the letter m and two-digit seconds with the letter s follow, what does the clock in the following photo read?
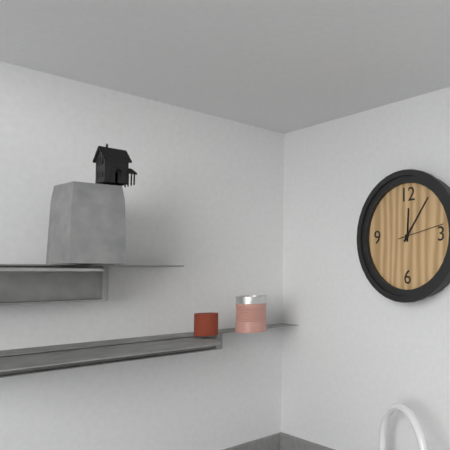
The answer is 12h06
